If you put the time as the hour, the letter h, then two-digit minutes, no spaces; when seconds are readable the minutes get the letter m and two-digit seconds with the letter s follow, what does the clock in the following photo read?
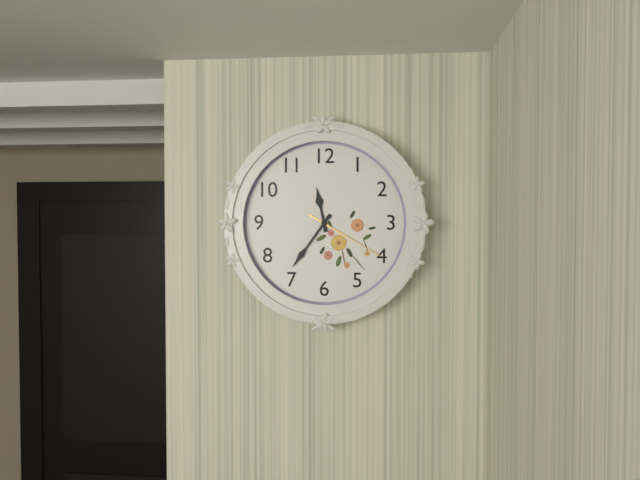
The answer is 11h36m20s
